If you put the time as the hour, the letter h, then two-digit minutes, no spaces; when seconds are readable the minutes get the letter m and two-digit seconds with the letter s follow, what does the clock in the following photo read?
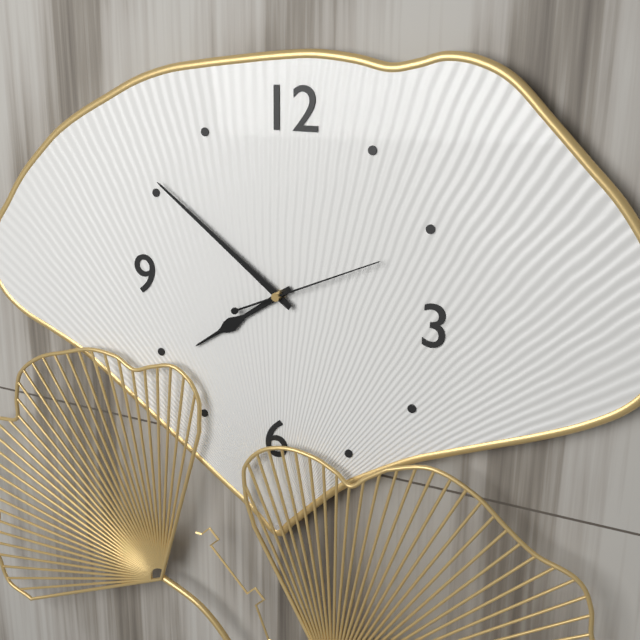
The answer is 7h51m11s
